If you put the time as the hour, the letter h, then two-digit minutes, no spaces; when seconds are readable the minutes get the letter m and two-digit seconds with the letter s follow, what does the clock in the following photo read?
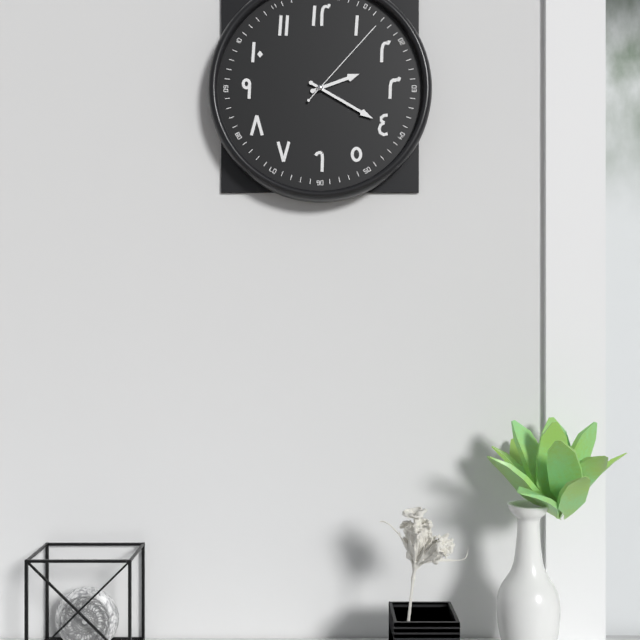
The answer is 2h20m07s
